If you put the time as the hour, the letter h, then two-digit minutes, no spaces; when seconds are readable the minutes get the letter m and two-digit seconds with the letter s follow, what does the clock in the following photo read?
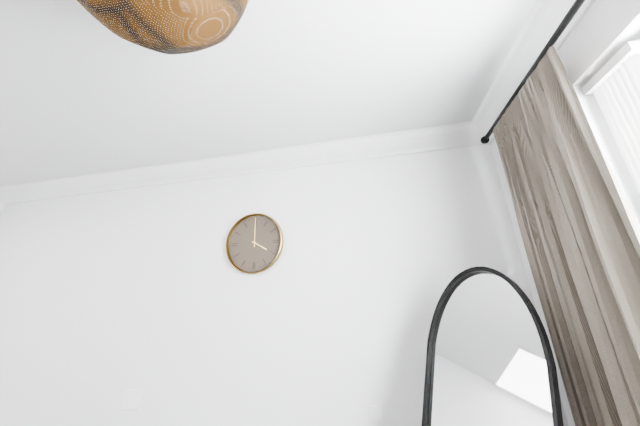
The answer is 4h00
